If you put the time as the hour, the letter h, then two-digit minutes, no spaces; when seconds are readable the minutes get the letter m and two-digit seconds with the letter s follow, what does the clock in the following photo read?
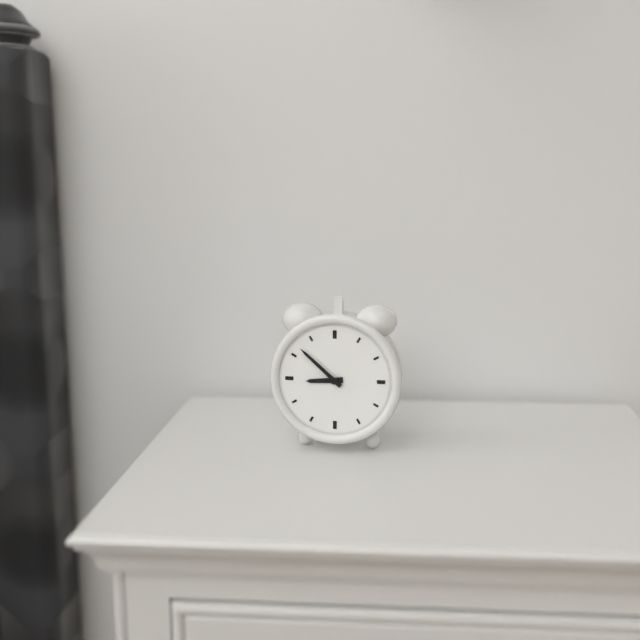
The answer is 8h52
